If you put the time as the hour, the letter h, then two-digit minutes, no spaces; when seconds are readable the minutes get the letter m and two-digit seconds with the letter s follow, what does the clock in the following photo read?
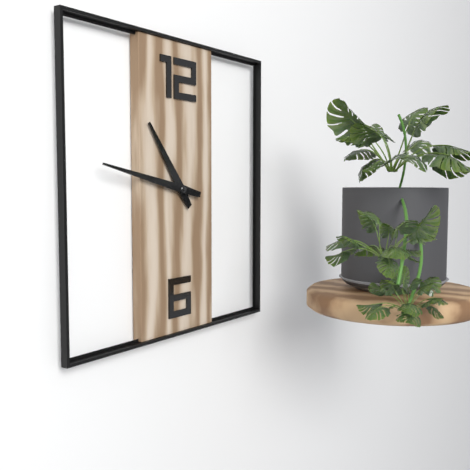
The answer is 10h47
